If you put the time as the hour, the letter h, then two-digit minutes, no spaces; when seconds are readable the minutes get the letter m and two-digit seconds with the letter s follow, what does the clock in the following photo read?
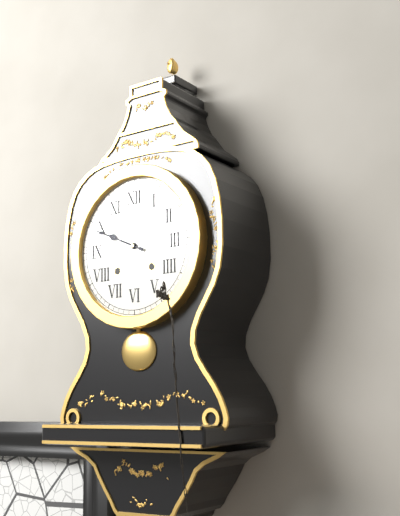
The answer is 9h49
